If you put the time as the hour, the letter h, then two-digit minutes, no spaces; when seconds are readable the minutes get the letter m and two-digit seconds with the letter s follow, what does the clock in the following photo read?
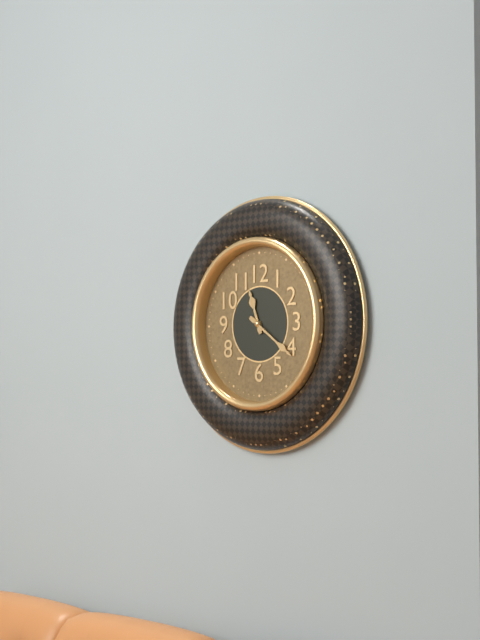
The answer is 11h21
